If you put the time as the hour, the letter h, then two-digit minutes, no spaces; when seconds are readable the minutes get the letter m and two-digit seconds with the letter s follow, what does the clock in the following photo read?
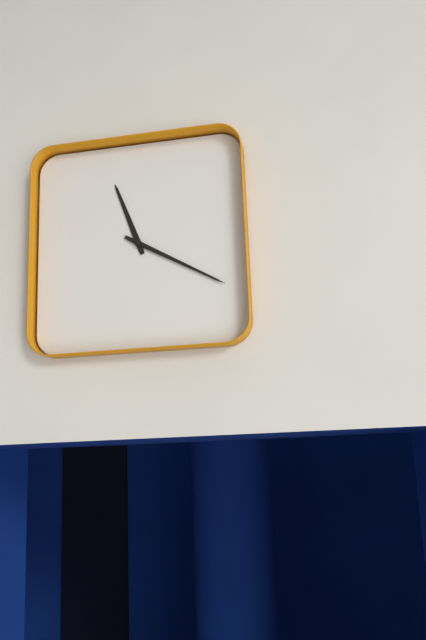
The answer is 11h20
